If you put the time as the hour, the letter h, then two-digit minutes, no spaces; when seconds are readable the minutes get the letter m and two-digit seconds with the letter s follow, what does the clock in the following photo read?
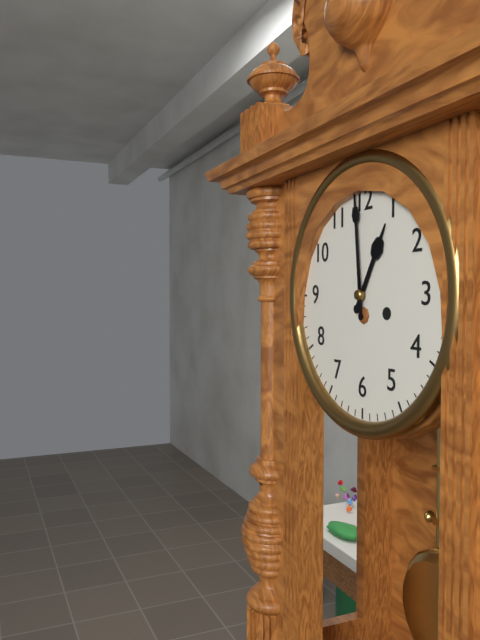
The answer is 12h59
